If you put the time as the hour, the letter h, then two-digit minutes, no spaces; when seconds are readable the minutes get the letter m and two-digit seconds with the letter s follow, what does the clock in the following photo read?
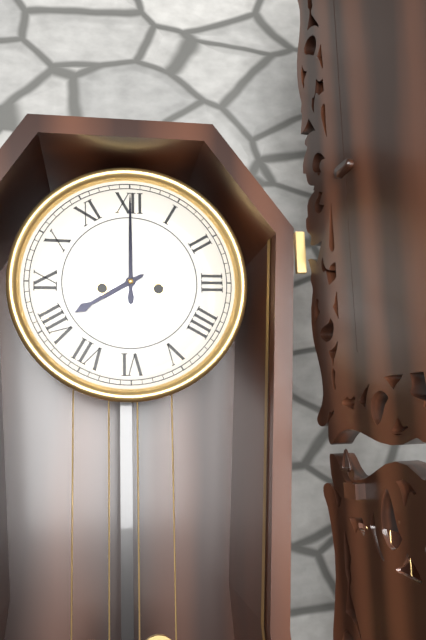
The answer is 8h00
